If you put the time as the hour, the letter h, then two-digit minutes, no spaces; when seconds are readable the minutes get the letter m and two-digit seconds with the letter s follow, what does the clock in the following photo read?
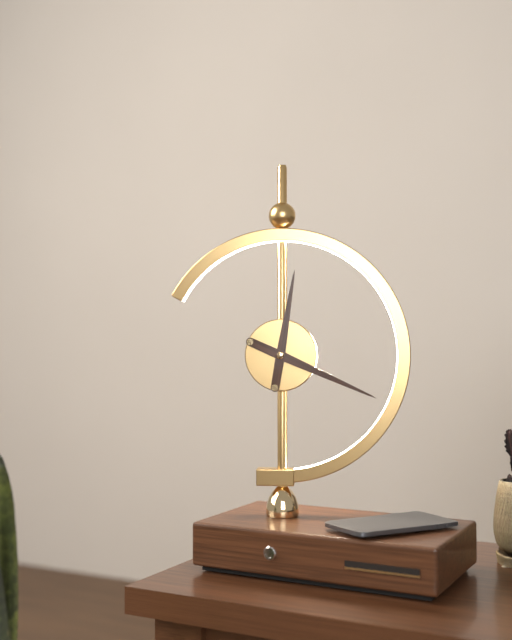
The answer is 12h19
